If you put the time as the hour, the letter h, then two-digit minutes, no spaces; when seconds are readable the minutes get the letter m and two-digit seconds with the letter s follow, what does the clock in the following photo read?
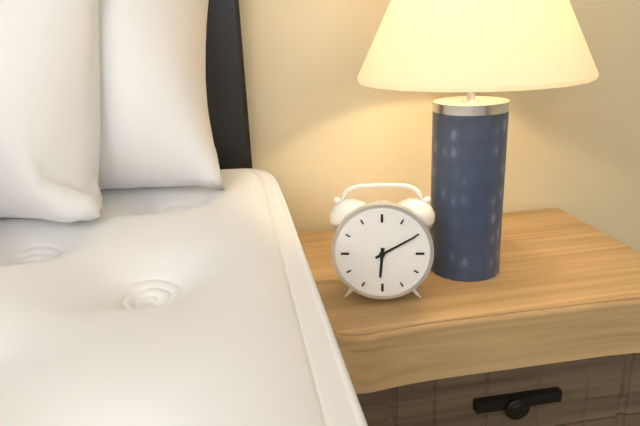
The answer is 6h10
